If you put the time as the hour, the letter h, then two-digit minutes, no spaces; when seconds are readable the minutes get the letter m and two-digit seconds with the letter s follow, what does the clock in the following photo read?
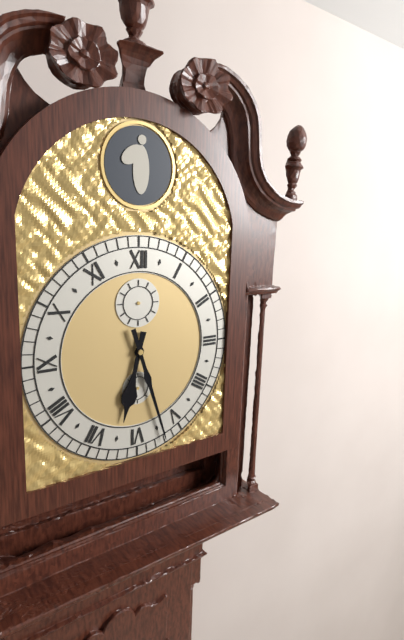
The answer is 6h27
